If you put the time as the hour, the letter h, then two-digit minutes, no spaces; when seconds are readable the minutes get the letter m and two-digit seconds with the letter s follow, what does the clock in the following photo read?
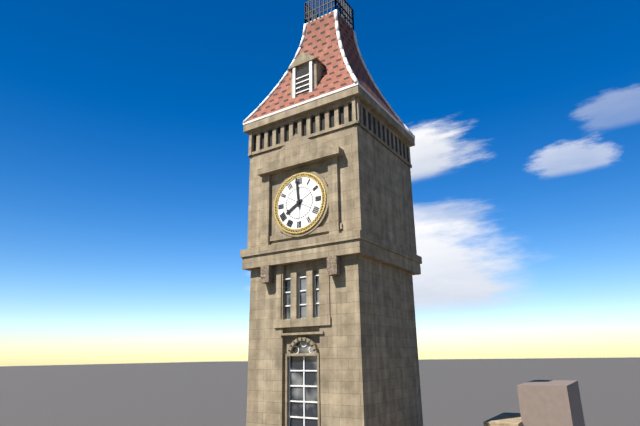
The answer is 7h59
